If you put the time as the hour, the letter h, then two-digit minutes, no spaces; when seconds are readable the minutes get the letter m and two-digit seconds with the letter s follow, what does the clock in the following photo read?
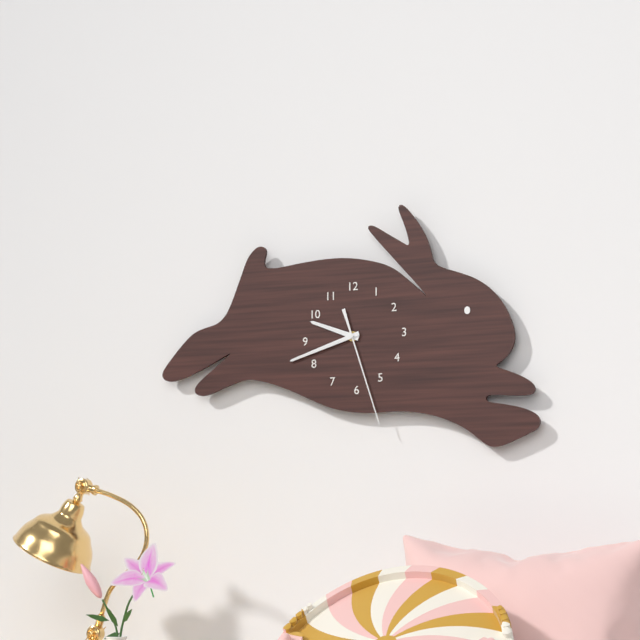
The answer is 9h42m27s
